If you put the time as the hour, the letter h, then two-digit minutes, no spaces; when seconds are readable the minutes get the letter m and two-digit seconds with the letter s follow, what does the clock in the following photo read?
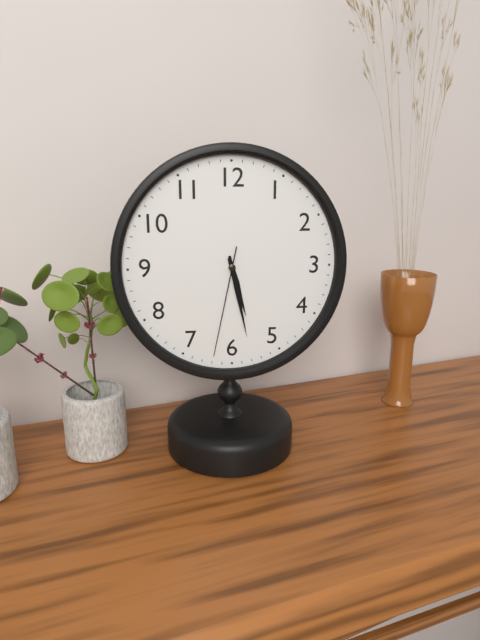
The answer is 5h28m32s
